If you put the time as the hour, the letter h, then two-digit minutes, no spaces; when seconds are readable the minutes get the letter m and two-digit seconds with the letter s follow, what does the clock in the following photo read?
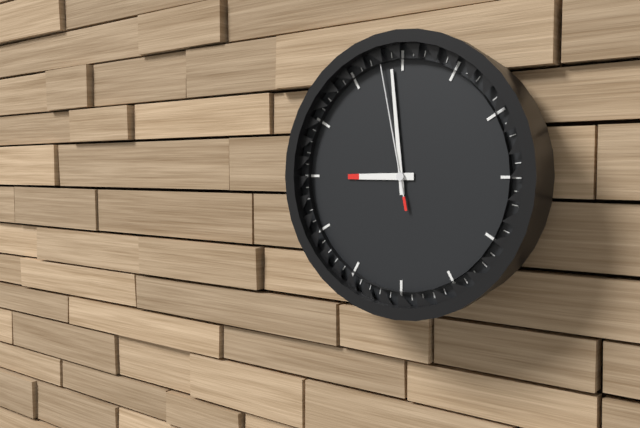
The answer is 8h59m58s
